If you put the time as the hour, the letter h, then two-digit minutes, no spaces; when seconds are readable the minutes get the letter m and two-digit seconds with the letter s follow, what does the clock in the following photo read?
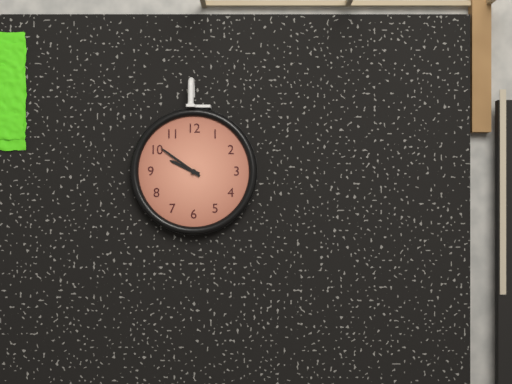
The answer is 9h51
